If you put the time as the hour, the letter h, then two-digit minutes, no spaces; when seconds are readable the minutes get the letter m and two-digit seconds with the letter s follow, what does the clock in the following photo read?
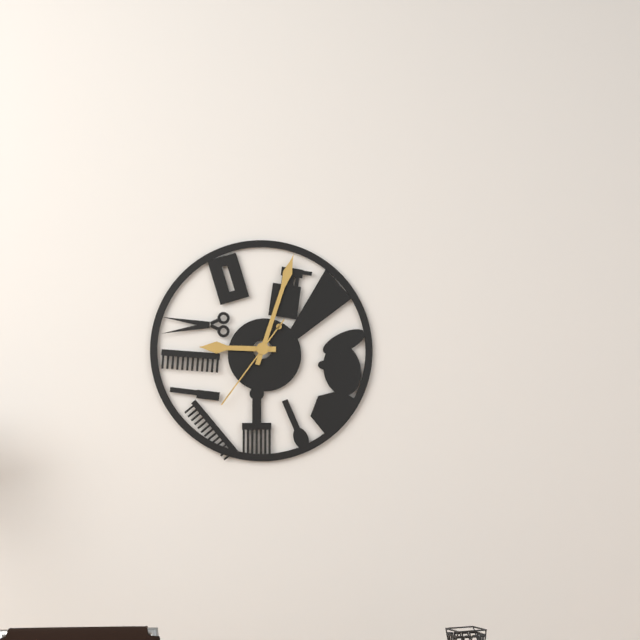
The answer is 9h03m36s
